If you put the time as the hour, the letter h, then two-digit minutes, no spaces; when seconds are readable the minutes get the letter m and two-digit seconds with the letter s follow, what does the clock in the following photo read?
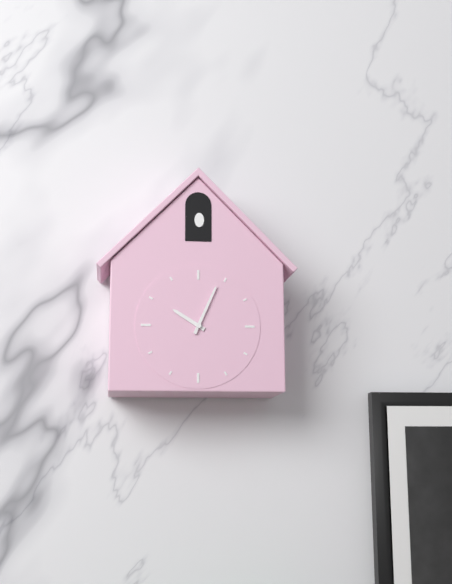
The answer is 10h04
